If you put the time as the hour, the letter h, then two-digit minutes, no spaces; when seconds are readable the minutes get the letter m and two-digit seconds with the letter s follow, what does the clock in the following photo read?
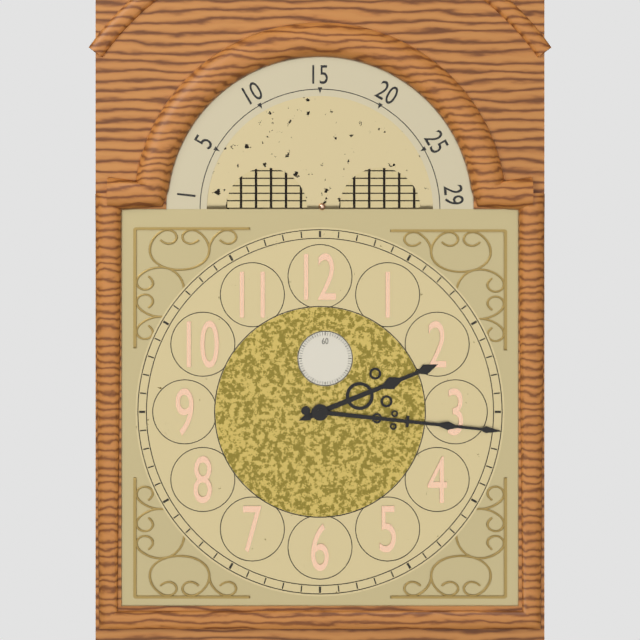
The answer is 2h16
